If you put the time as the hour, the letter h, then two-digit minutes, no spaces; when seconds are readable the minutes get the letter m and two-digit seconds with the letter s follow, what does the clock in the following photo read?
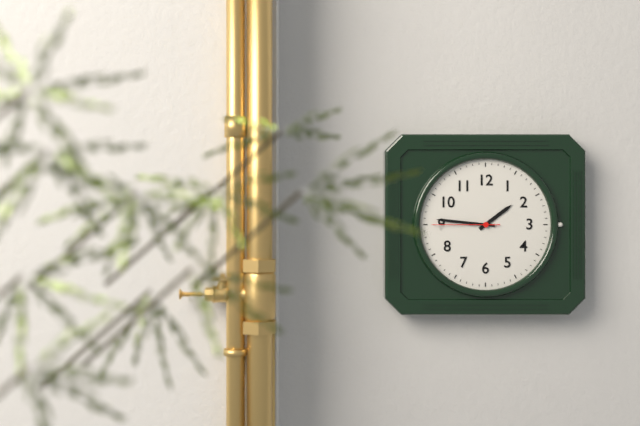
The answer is 1h46m45s
